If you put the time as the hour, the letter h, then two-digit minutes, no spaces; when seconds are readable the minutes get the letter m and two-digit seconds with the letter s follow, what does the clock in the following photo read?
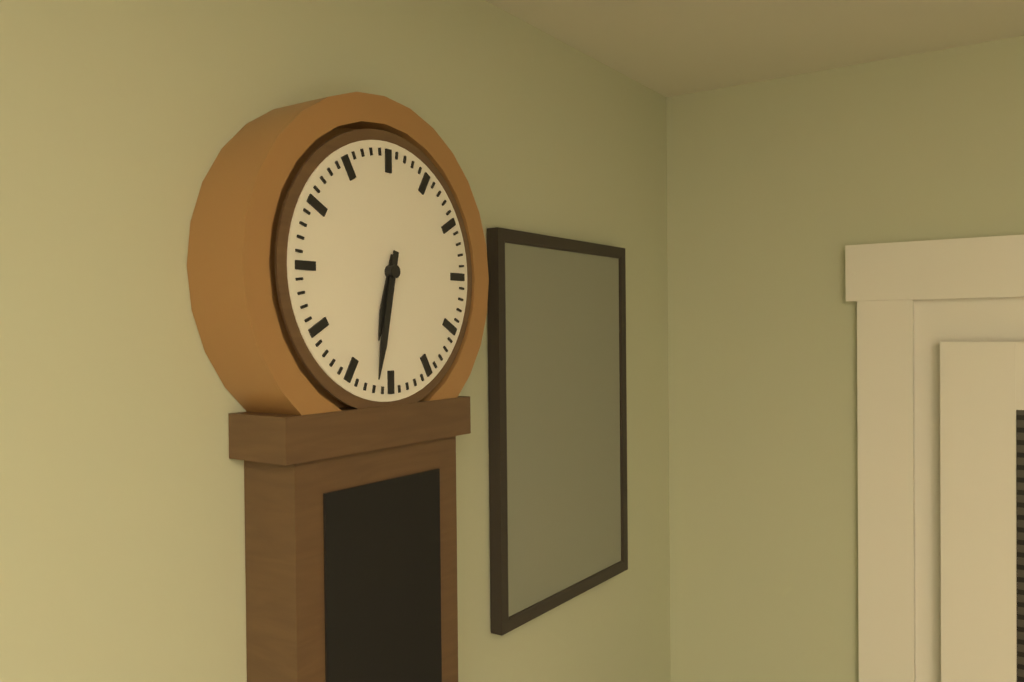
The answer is 6h32
